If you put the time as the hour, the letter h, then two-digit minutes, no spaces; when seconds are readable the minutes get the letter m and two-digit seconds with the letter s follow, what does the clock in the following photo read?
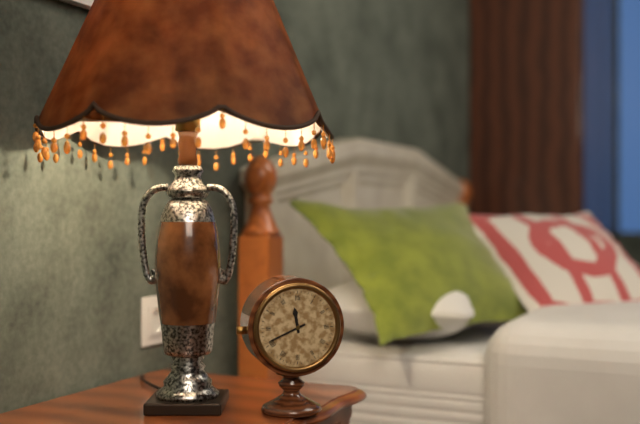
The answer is 11h41
